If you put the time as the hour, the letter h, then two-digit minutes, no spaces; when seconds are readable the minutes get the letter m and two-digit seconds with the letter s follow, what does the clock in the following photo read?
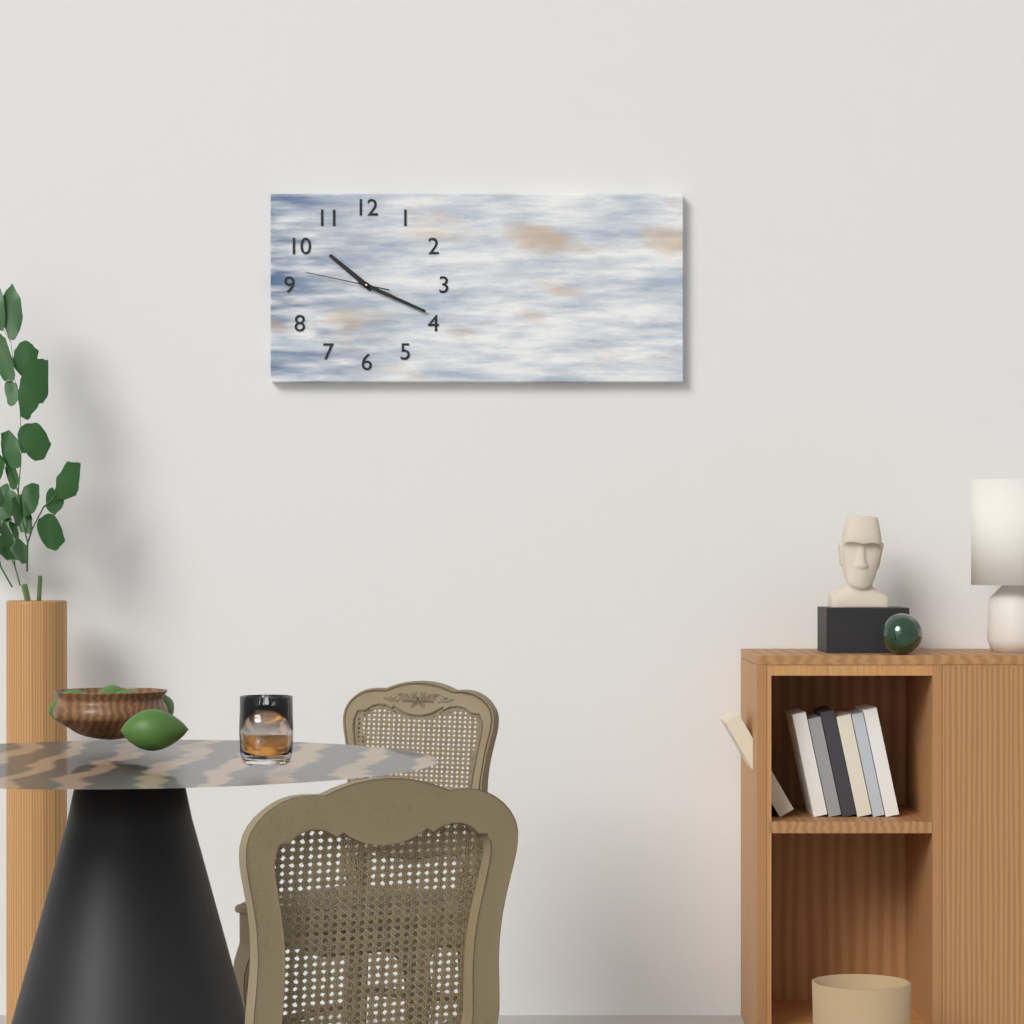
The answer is 10h19m47s
